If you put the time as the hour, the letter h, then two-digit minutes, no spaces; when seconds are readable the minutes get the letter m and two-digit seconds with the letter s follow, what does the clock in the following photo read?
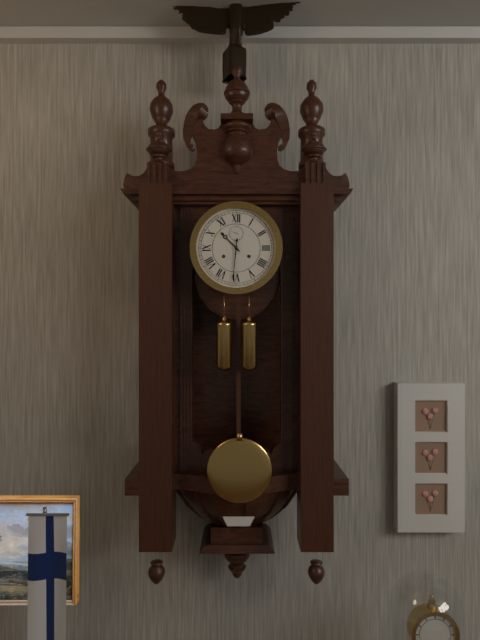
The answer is 10h31
